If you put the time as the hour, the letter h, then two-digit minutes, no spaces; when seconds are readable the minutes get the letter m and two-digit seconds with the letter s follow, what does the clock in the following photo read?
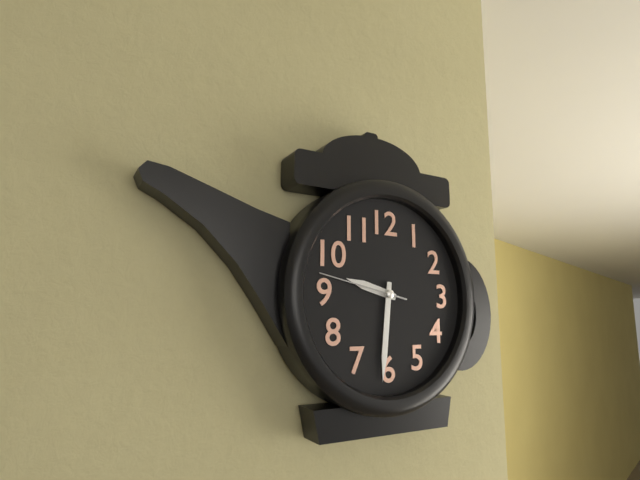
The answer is 9h31m47s
